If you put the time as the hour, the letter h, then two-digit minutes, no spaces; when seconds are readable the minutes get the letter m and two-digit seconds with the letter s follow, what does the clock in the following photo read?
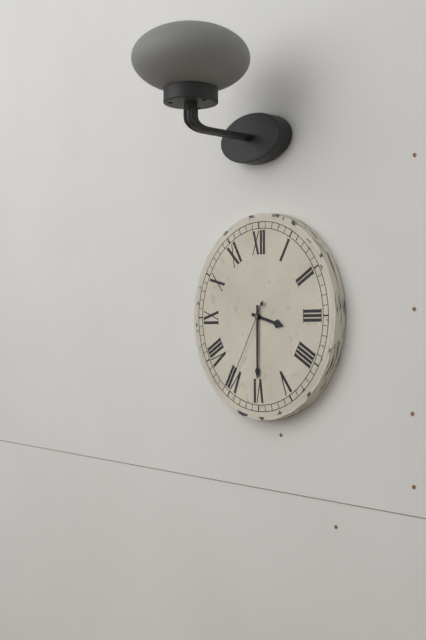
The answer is 3h30m35s
